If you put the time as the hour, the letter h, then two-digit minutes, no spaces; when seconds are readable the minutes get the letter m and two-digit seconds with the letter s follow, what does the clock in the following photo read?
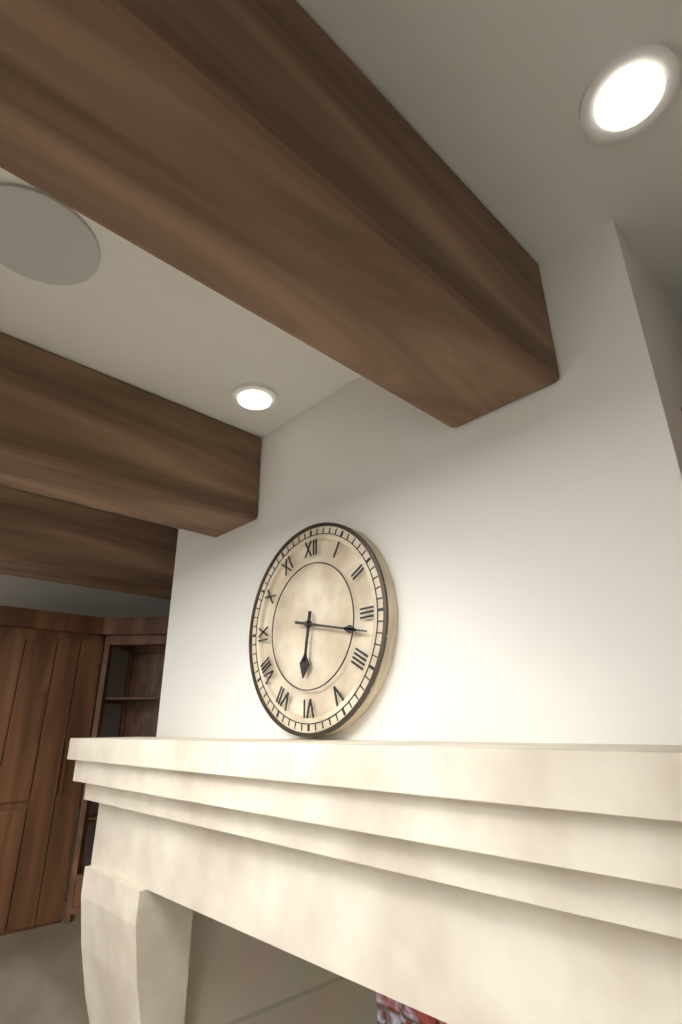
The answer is 6h17
